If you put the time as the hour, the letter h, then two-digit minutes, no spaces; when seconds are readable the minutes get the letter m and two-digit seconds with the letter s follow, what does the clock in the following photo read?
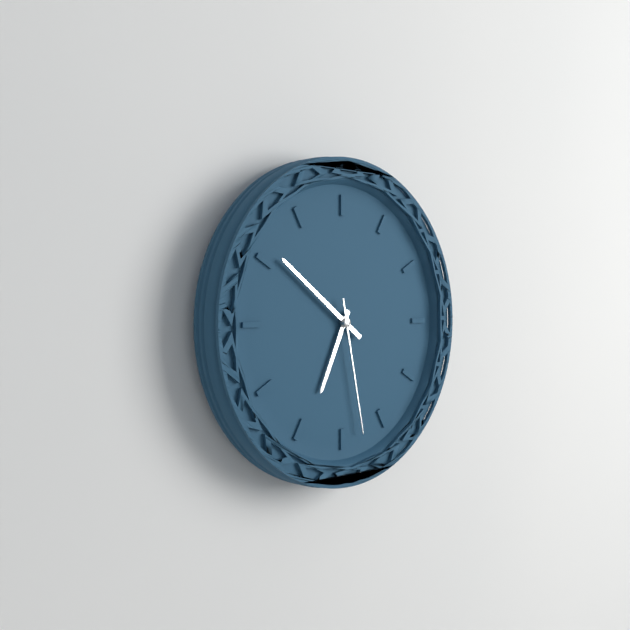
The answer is 6h51m28s
